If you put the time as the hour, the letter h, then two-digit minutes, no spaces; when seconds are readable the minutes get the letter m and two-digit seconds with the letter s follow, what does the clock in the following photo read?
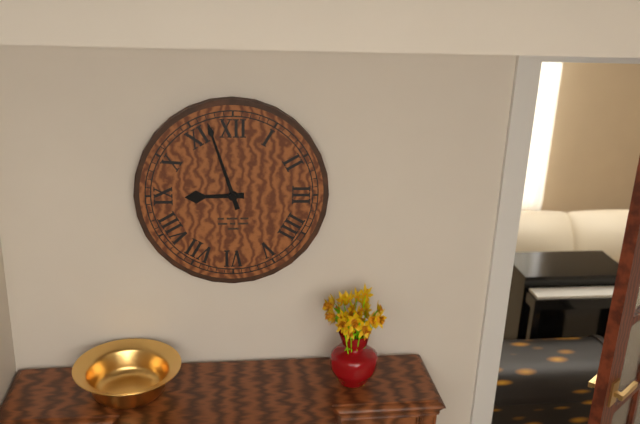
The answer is 8h57
